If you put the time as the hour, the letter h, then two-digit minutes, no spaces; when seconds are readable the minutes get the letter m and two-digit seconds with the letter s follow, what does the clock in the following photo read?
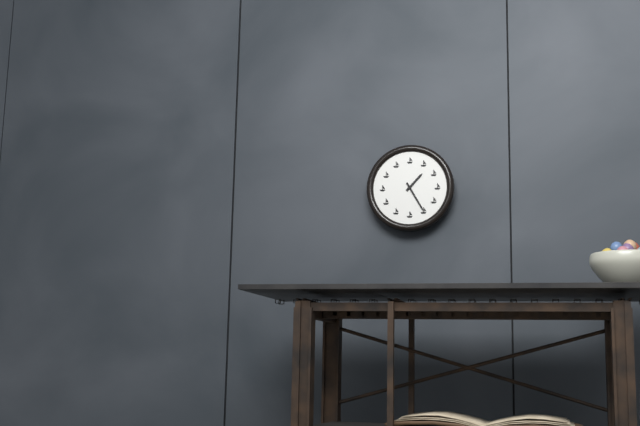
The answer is 1h25
